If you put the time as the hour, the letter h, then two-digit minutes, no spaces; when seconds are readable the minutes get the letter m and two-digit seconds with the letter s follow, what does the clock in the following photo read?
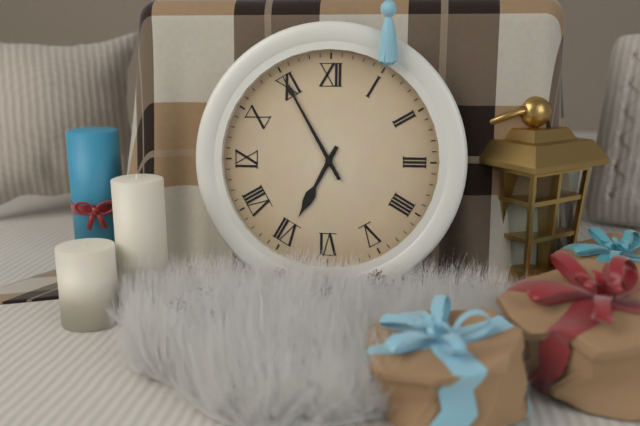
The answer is 6h55
